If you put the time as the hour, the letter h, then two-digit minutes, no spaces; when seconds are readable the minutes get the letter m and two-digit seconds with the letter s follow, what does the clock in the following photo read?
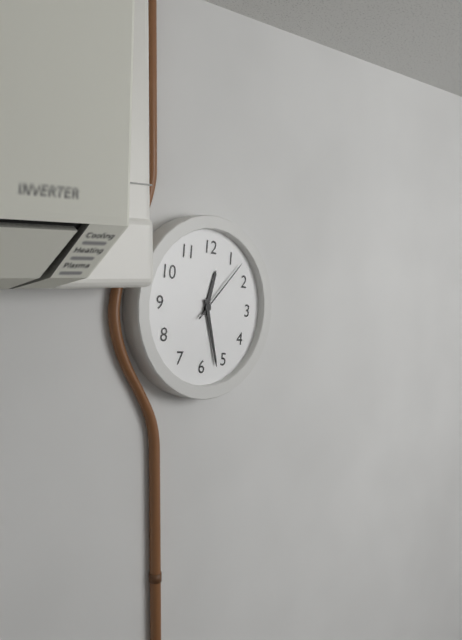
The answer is 12h27m07s
